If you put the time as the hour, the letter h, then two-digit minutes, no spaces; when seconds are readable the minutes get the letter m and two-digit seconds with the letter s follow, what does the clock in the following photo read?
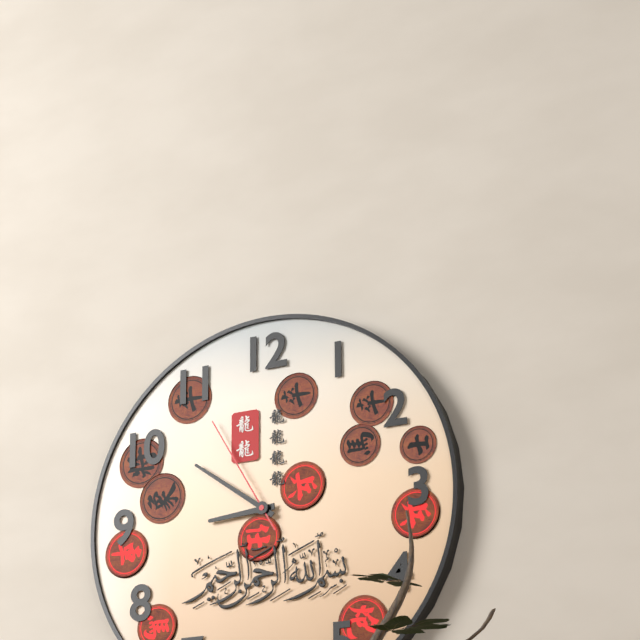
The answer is 8h51m55s
